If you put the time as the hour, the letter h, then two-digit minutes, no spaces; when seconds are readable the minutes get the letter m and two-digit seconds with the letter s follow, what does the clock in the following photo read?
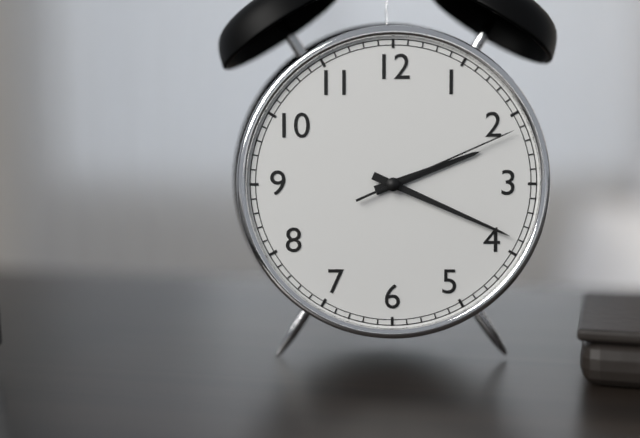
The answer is 2h19m11s
